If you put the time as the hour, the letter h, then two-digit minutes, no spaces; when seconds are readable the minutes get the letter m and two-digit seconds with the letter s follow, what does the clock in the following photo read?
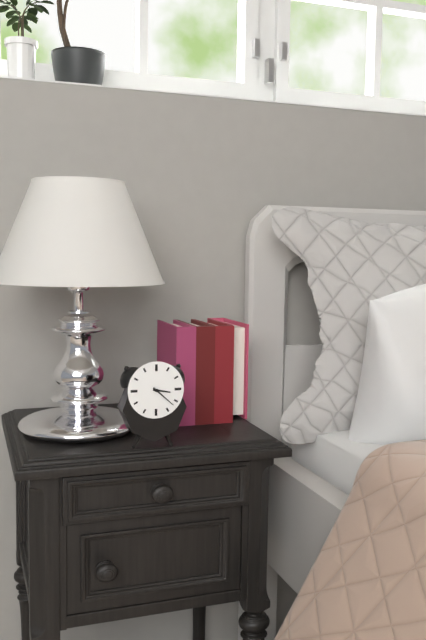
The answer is 3h22
